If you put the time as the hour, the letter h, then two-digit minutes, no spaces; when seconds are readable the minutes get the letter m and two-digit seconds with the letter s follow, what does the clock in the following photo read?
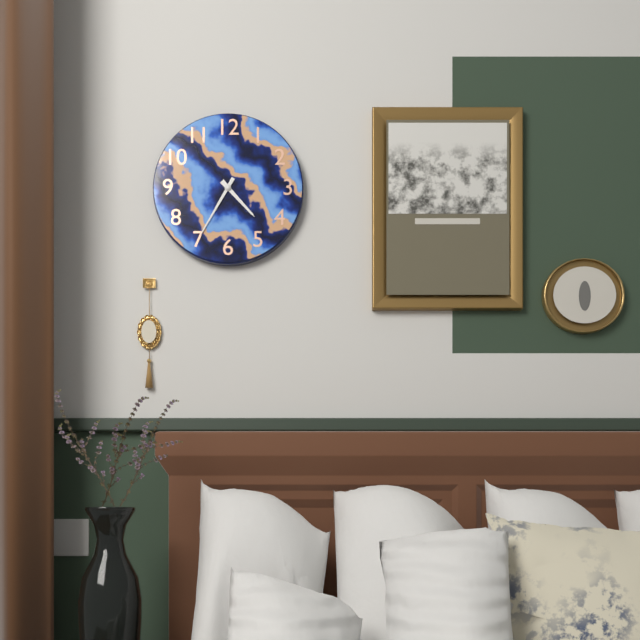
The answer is 4h35
